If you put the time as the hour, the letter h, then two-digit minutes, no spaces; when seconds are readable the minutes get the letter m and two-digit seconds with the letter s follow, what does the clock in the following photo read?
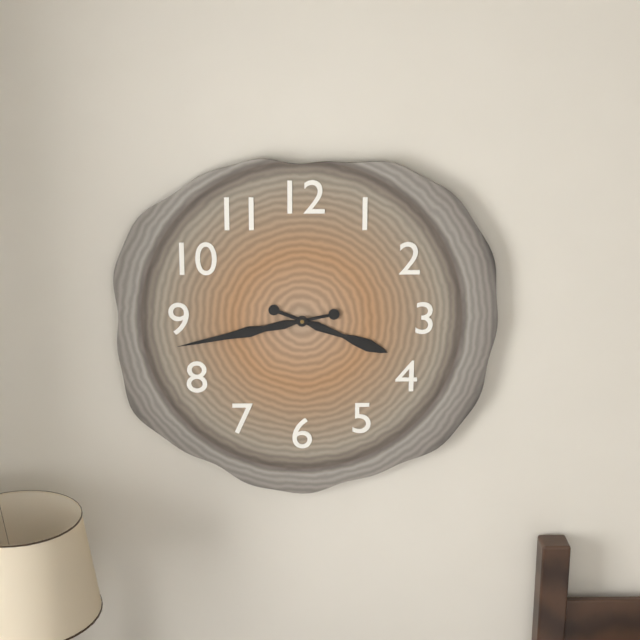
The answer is 3h43
